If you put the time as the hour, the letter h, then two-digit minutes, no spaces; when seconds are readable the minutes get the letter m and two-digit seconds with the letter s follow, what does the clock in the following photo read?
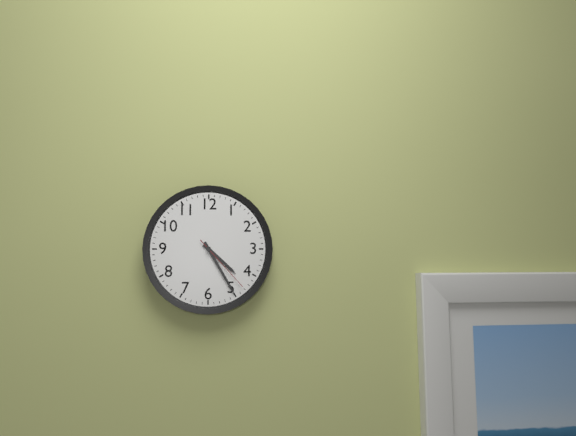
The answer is 4h25m23s
